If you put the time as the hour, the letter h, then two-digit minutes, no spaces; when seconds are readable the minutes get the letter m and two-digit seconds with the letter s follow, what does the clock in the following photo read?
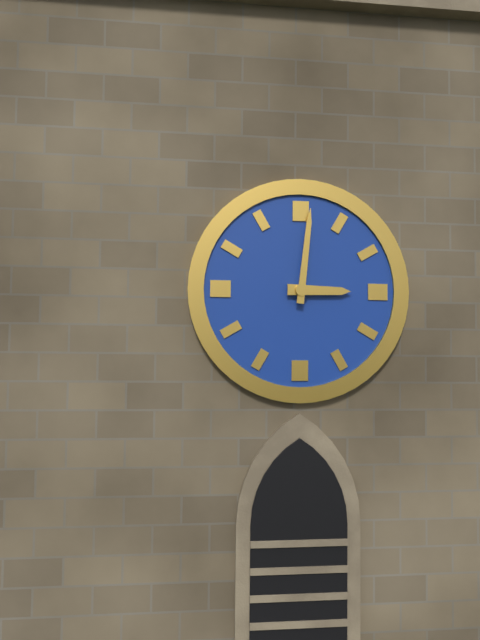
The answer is 3h01
